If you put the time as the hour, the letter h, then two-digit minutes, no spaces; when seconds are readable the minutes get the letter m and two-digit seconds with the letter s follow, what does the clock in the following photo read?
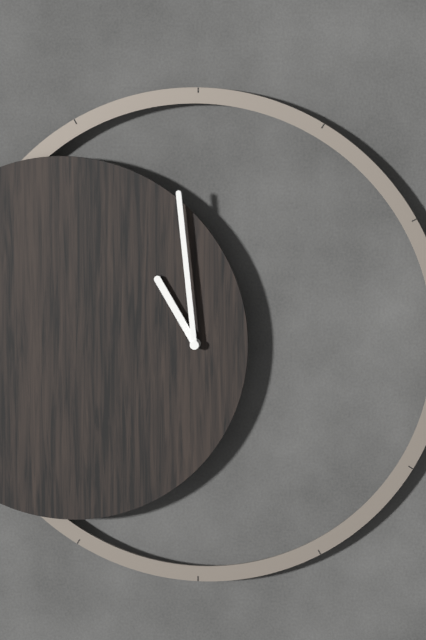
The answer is 10h59
